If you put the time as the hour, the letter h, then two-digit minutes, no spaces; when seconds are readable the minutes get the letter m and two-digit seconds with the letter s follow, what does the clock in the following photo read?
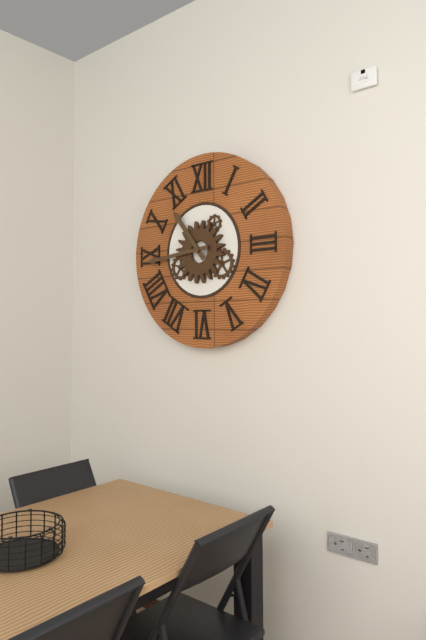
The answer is 10h44
